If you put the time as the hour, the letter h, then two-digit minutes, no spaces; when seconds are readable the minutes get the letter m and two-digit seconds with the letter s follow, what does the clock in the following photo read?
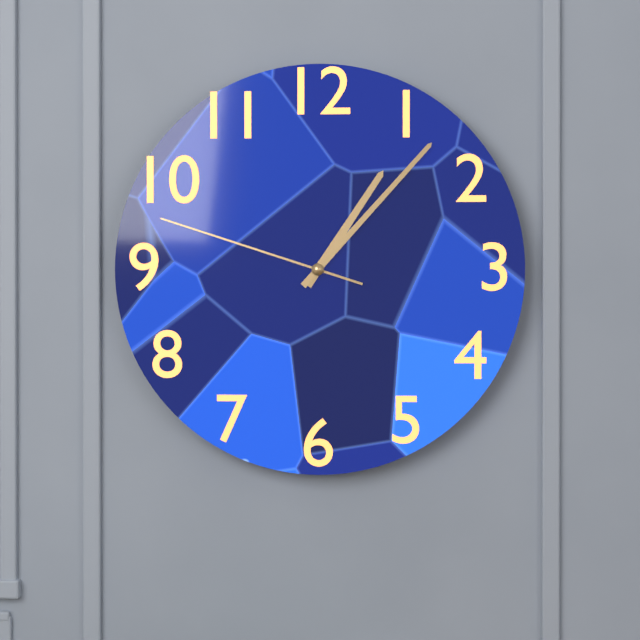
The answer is 1h07m48s
